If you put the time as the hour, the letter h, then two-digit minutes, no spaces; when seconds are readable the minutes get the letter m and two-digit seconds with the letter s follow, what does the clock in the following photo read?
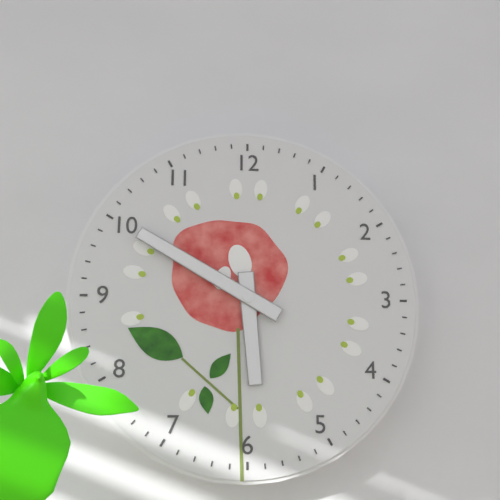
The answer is 5h50
